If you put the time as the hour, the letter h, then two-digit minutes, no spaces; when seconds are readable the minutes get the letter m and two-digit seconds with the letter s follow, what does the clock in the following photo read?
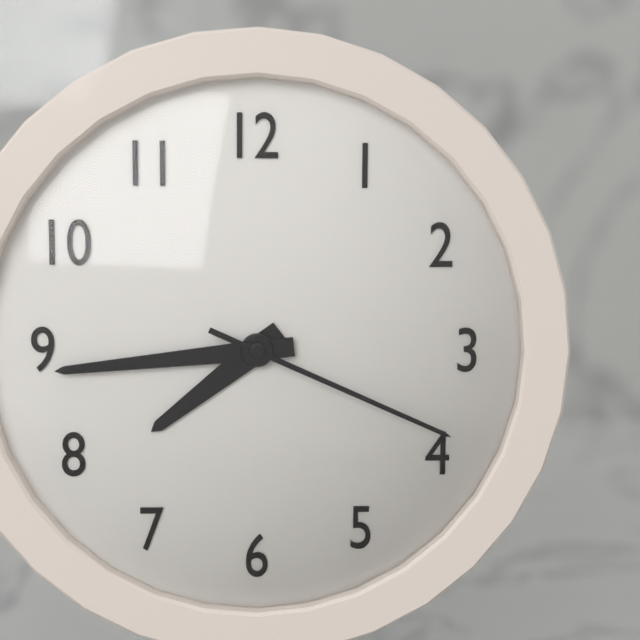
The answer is 7h44m19s
